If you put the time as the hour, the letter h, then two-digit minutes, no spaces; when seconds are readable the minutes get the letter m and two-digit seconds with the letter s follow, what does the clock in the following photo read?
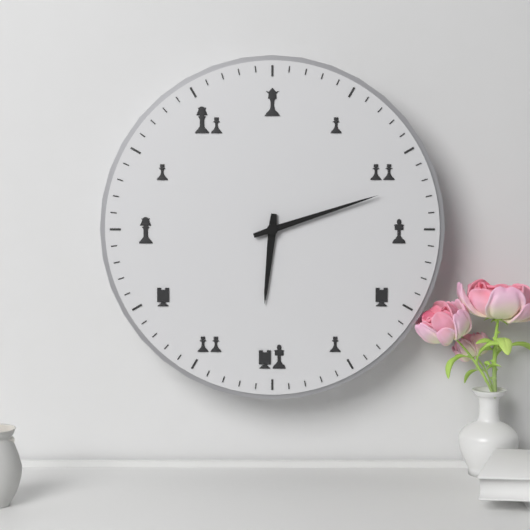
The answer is 6h12
